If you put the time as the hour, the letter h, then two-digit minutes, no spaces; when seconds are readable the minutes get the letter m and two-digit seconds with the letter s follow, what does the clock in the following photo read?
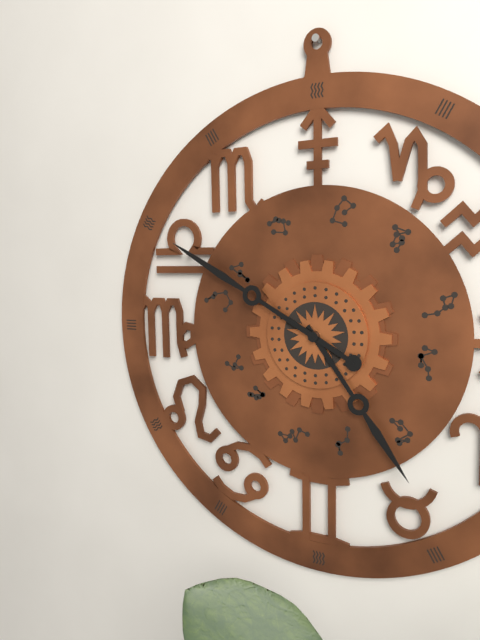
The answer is 4h50
